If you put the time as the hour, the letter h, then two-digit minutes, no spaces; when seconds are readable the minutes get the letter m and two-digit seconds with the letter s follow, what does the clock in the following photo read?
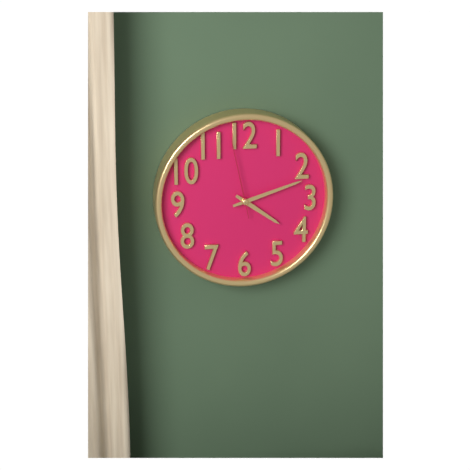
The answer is 4h12m58s
